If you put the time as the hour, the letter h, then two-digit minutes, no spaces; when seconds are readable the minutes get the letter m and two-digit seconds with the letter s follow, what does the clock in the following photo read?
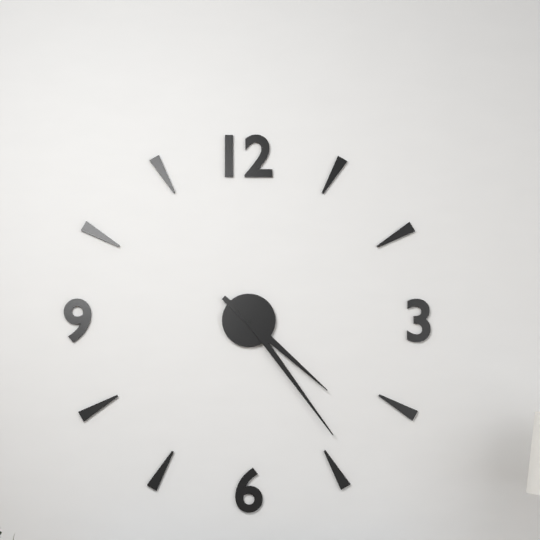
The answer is 4h24
